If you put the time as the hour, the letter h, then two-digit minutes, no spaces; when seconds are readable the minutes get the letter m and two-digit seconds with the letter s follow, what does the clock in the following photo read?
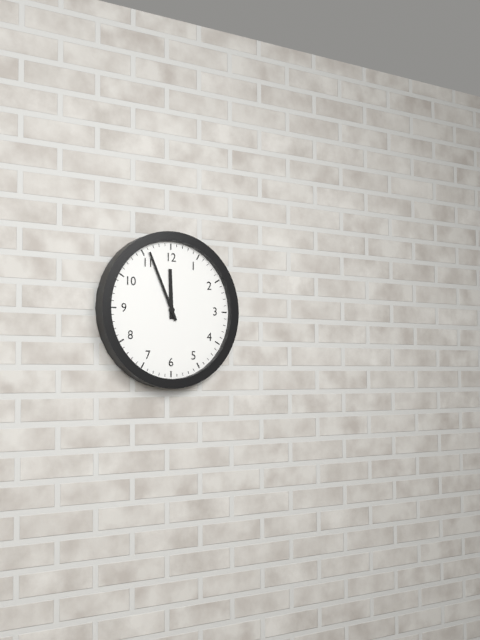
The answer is 11h56
